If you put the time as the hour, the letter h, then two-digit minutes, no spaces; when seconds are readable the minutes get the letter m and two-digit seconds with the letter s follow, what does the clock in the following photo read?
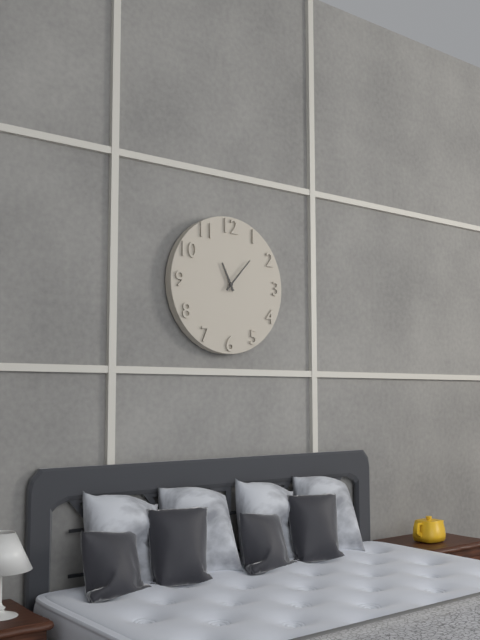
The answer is 11h07
